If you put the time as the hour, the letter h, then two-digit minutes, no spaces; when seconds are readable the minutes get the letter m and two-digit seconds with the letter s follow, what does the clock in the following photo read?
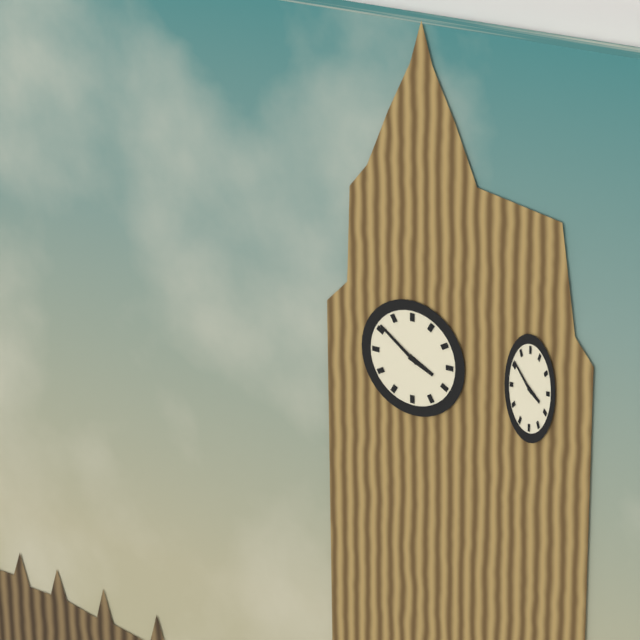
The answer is 3h51
